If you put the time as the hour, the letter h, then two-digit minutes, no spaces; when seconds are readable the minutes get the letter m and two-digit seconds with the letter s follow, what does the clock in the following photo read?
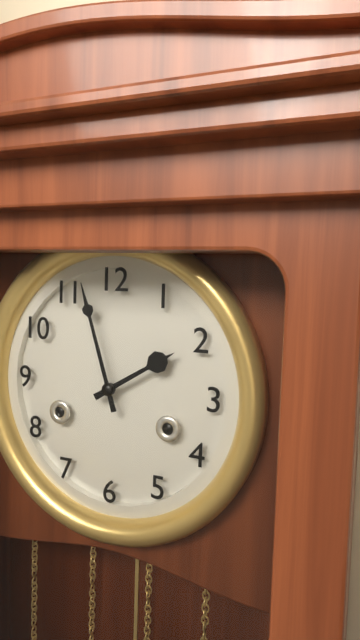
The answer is 1h57
